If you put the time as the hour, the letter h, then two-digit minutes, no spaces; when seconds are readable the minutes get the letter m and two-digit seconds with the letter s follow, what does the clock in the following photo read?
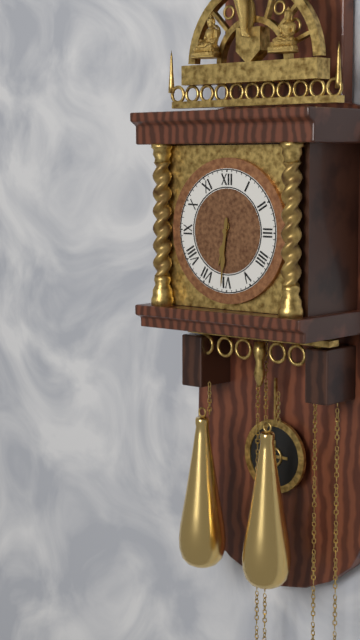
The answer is 6h31
